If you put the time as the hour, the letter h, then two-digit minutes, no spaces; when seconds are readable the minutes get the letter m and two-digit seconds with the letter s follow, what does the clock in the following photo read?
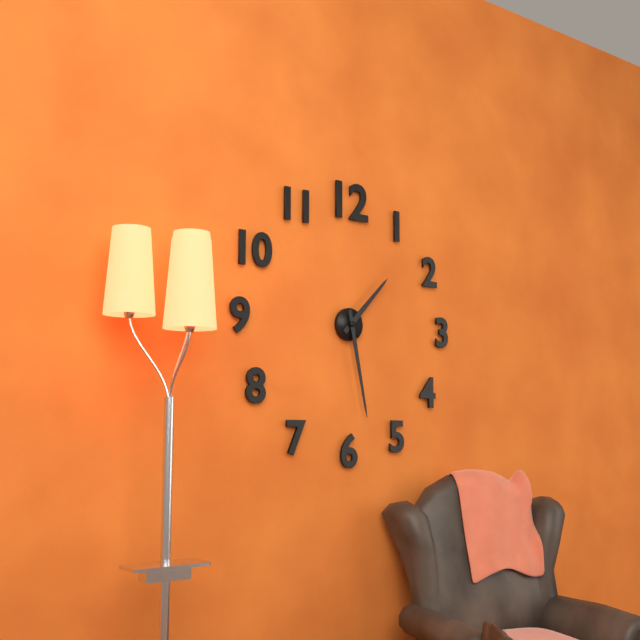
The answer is 1h28
